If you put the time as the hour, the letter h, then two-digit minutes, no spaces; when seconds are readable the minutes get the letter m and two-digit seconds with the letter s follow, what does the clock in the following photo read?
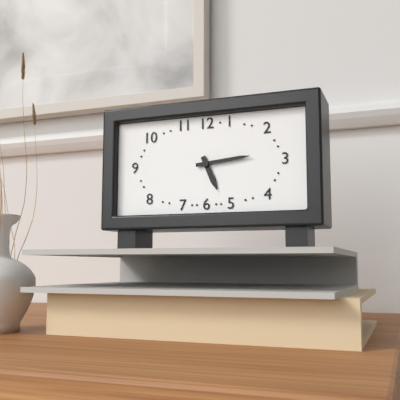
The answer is 5h14
